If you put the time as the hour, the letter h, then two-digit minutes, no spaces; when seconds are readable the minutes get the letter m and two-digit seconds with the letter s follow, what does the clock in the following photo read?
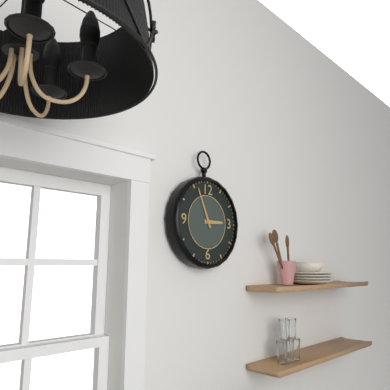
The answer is 2h56
